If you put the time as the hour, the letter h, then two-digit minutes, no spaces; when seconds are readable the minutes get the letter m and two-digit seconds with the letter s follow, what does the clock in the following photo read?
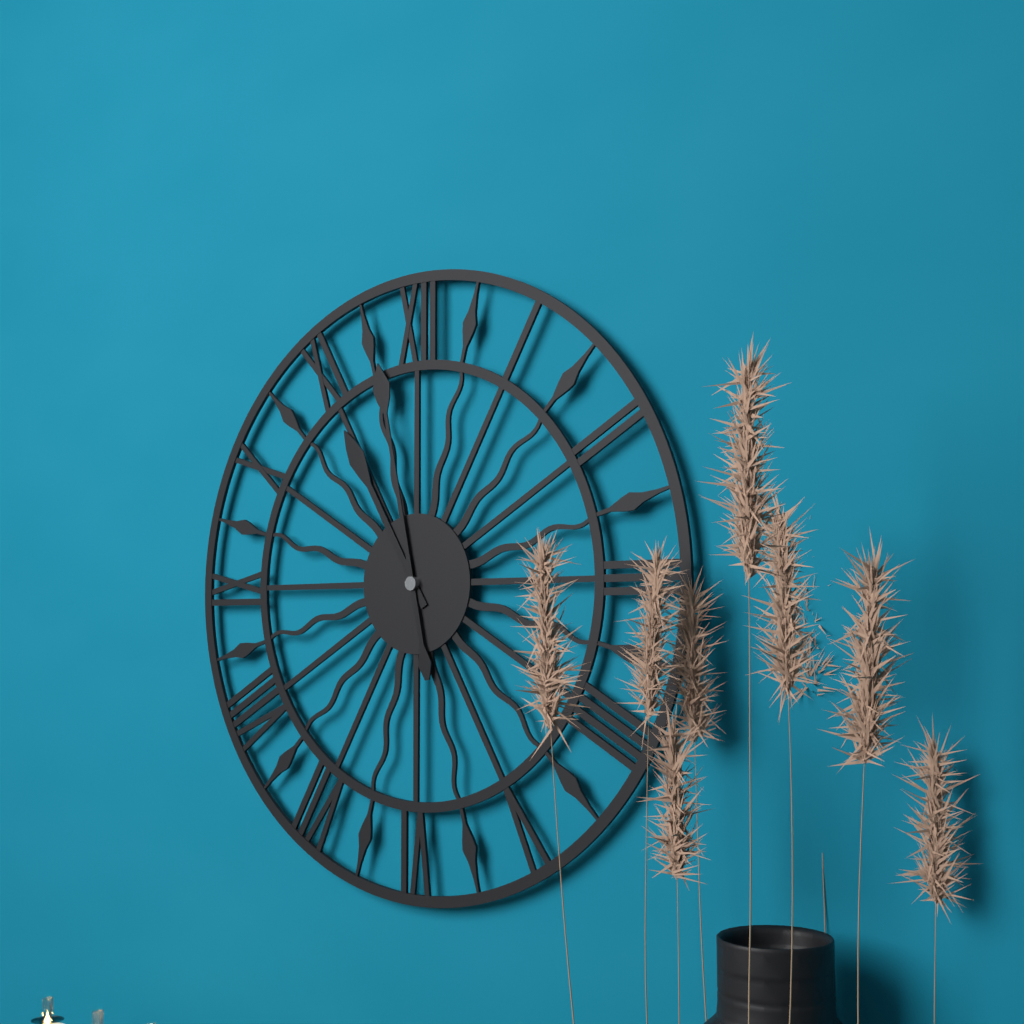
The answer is 10h58
